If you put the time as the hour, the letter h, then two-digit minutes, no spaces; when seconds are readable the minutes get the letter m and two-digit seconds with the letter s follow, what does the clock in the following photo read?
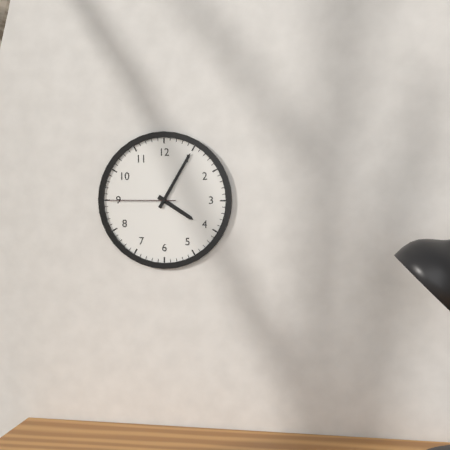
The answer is 4h05m45s
